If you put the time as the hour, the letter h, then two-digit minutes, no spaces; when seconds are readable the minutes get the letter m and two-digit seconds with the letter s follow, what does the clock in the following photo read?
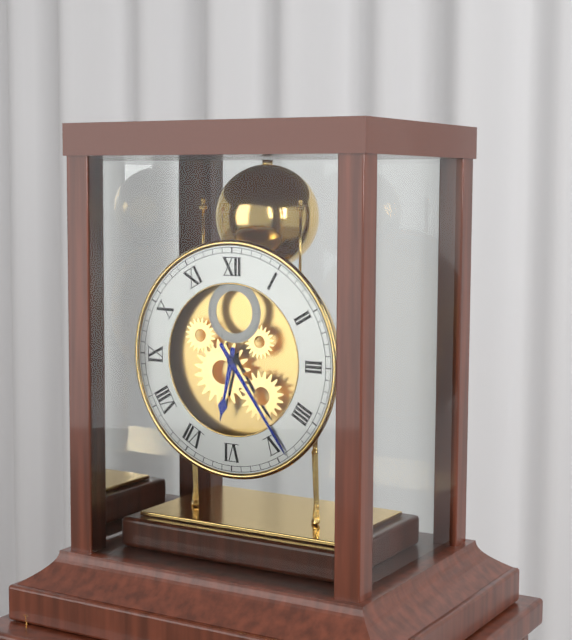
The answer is 6h24
